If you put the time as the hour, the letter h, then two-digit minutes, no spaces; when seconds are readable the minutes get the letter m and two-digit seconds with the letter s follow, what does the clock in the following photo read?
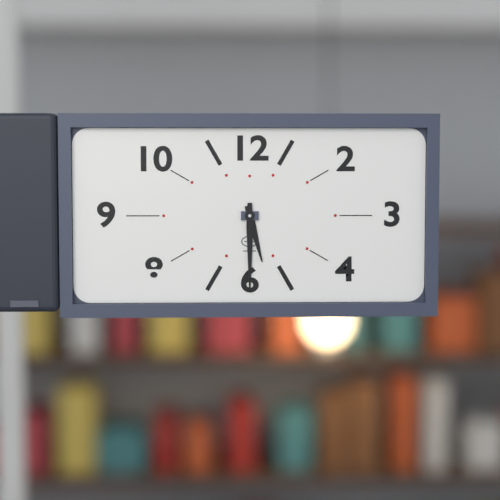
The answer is 5h30
